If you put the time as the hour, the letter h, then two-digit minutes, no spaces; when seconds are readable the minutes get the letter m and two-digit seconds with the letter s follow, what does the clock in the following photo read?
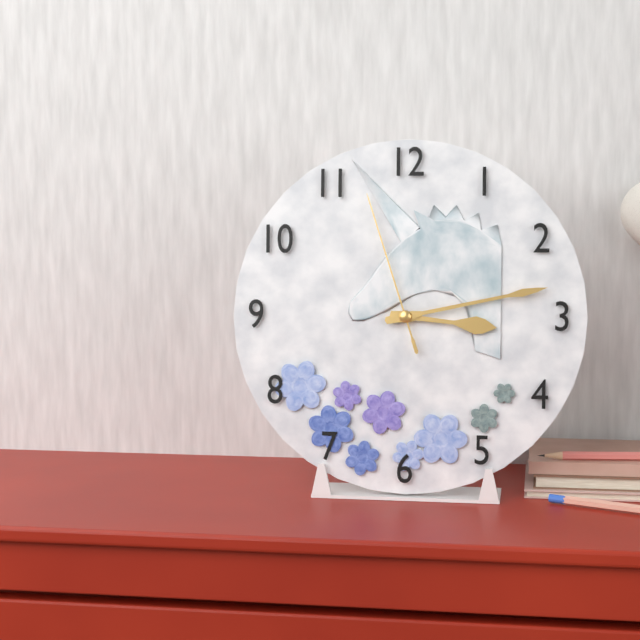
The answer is 3h13m57s
